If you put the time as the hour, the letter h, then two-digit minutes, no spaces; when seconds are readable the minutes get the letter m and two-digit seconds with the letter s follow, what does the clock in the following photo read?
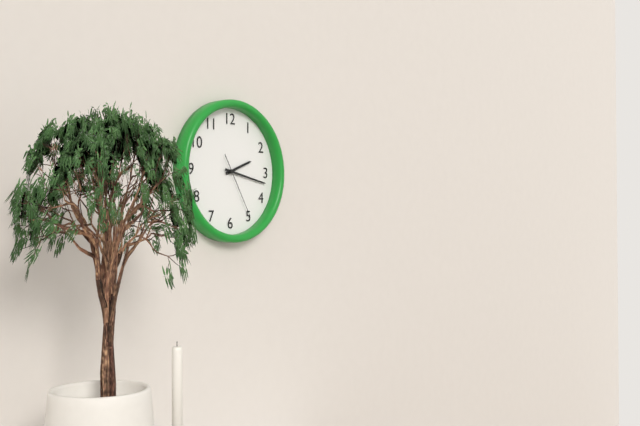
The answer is 2h17m25s
